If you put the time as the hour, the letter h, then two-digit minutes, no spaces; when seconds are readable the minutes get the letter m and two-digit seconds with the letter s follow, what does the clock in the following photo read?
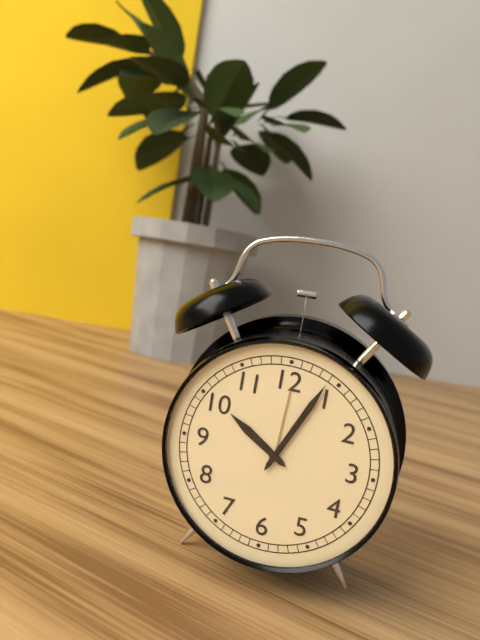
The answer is 10h04
